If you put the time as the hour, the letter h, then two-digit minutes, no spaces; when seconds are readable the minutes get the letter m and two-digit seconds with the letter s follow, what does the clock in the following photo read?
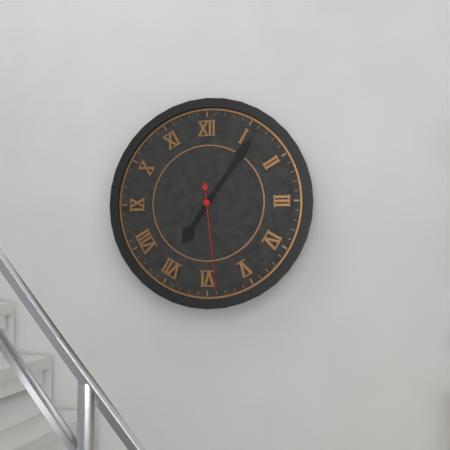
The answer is 7h06m29s
